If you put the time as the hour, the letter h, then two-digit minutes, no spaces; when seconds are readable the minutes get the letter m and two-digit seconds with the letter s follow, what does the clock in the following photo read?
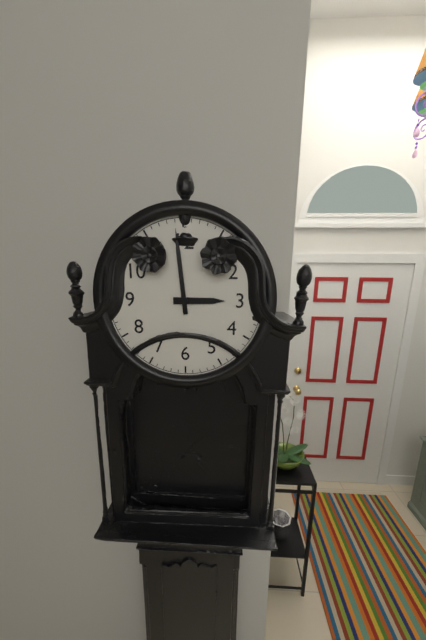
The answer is 2h59
